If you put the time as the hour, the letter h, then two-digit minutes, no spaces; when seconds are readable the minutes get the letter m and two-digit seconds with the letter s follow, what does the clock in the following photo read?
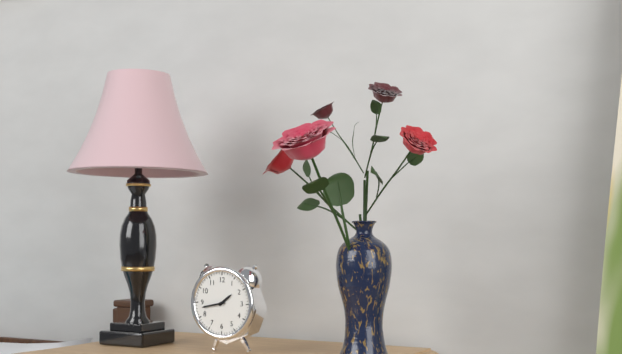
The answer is 1h43
